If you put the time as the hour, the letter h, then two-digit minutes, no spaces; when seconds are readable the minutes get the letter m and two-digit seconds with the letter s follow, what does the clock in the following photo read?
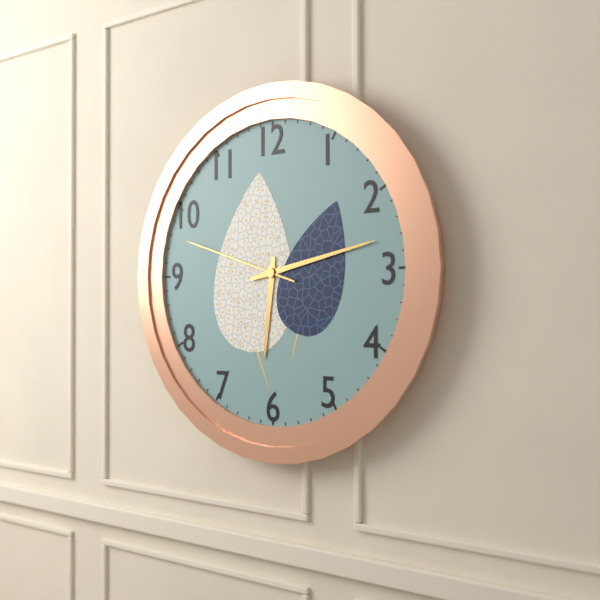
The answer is 6h13m48s
